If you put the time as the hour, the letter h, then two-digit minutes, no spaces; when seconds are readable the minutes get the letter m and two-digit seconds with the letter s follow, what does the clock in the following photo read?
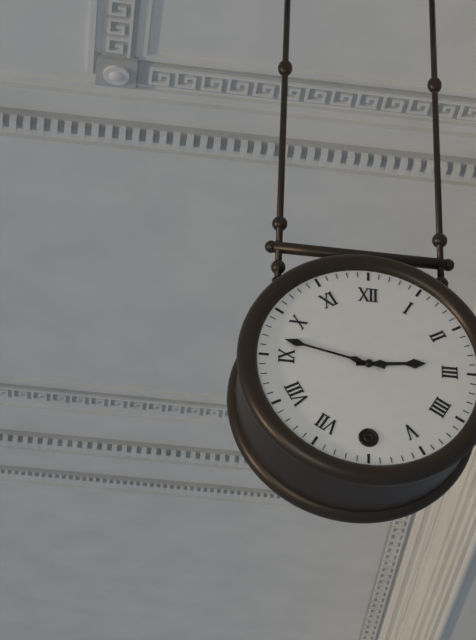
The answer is 2h47
